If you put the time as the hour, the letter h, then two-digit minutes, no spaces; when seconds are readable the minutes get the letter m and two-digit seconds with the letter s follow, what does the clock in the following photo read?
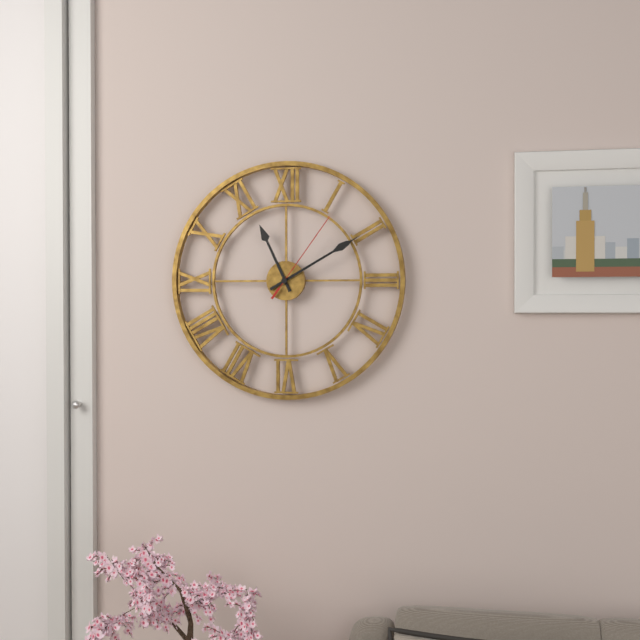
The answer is 11h10m06s
